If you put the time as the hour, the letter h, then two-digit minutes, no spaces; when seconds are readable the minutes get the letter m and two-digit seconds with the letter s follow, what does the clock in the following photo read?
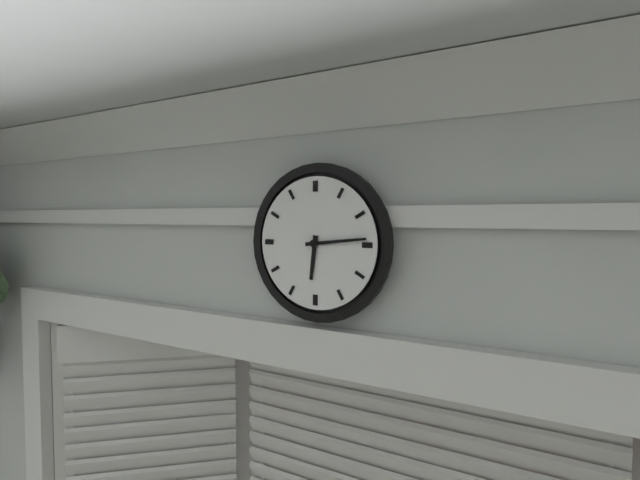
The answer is 6h14
